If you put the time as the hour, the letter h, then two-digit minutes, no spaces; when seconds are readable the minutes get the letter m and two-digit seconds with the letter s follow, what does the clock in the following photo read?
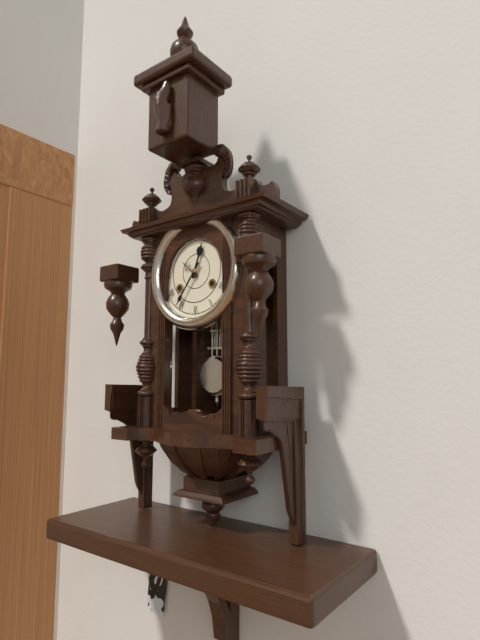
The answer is 12h36
